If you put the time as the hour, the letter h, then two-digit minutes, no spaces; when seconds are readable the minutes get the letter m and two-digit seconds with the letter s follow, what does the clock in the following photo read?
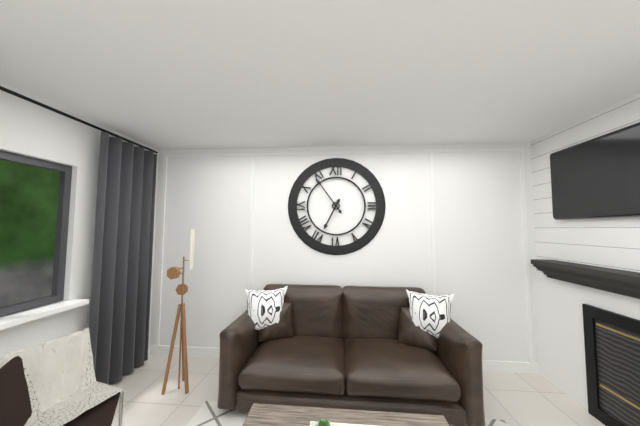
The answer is 6h54
